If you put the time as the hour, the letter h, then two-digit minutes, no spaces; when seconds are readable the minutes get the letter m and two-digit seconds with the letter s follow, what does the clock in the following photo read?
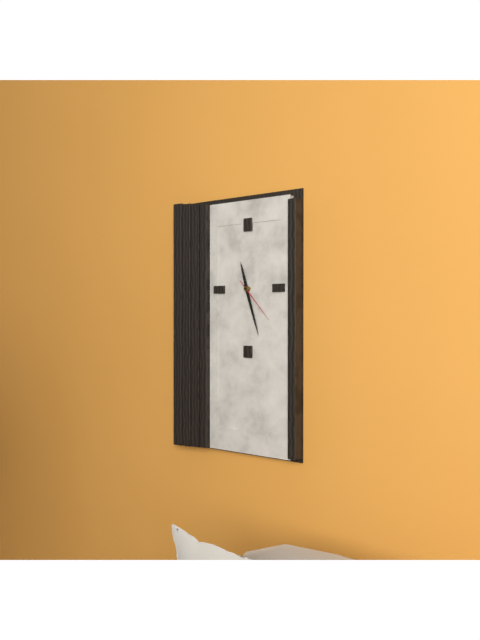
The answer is 11h27
